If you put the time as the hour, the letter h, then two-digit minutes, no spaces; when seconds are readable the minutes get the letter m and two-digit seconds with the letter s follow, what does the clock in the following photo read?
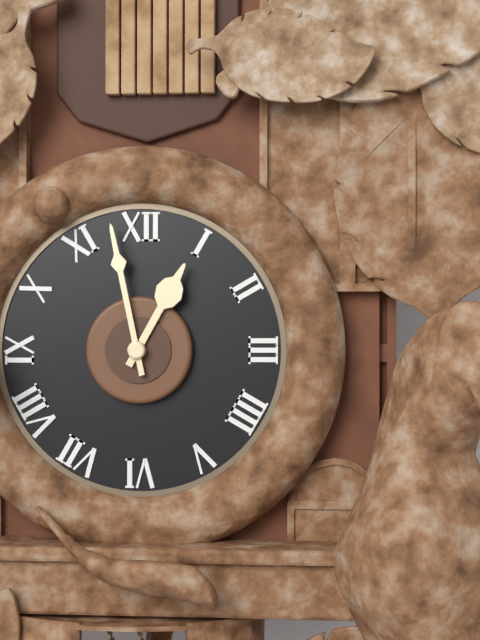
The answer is 12h58
